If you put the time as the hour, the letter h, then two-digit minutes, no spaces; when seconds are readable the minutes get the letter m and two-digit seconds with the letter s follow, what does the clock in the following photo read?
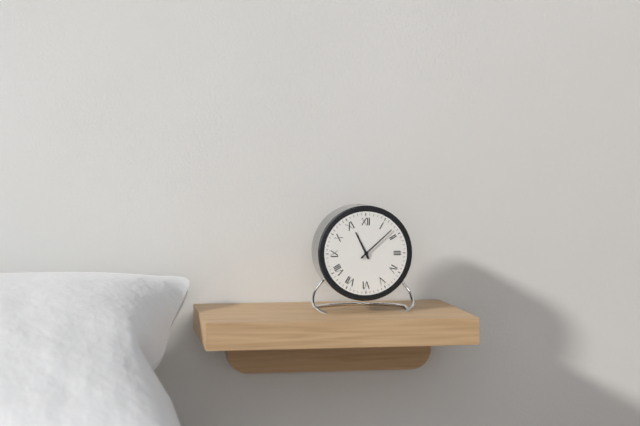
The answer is 11h08
